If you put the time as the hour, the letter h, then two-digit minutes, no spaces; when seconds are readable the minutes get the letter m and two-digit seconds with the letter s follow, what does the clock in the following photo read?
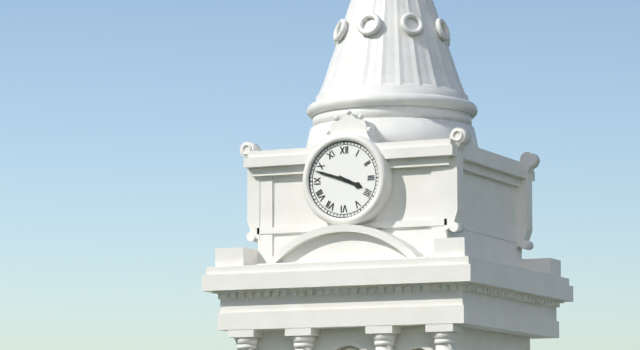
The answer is 3h48
